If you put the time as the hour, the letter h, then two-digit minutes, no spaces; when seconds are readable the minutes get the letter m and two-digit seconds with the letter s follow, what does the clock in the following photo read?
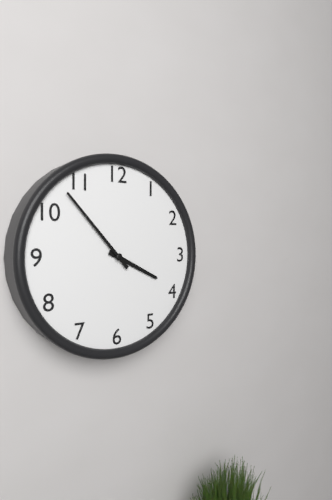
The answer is 3h53
